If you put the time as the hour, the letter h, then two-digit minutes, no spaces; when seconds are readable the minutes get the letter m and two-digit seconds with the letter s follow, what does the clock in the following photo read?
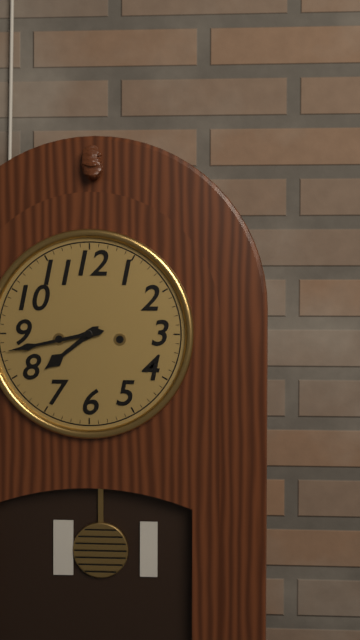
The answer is 7h43
